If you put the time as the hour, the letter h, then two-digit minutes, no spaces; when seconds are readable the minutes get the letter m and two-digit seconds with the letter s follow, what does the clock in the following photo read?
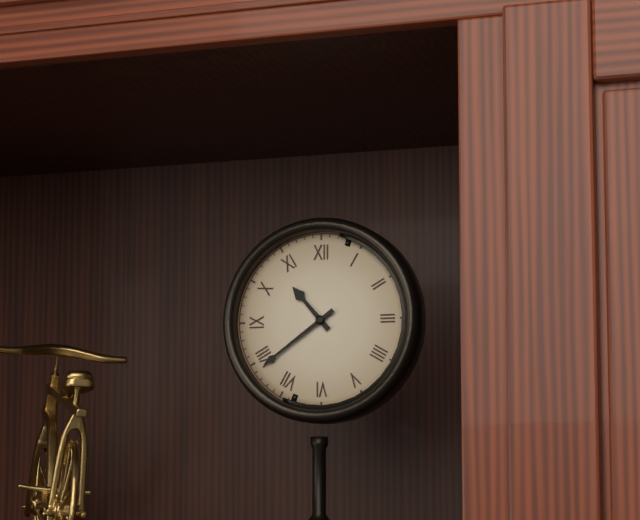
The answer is 10h39
